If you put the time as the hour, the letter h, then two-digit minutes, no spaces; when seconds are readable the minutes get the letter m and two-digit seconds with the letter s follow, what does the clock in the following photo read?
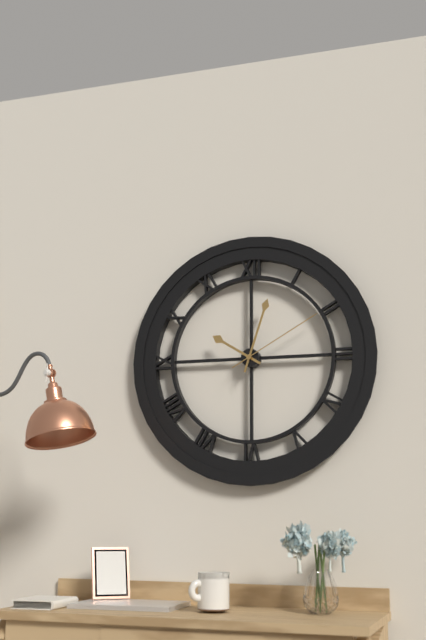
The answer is 10h03m10s
